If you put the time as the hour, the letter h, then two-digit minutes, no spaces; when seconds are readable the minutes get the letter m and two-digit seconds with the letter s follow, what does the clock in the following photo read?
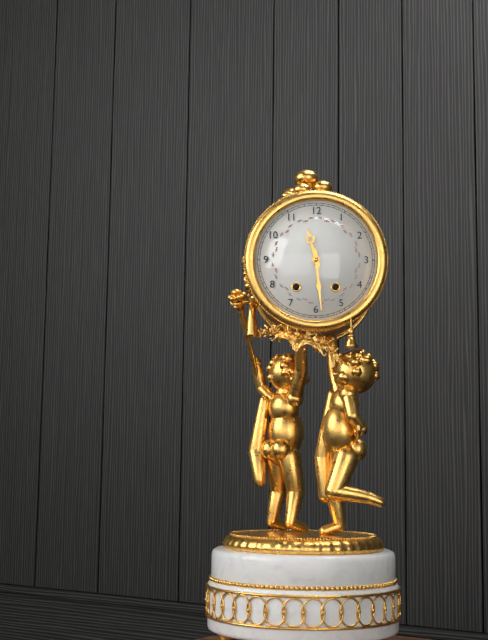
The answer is 11h29
